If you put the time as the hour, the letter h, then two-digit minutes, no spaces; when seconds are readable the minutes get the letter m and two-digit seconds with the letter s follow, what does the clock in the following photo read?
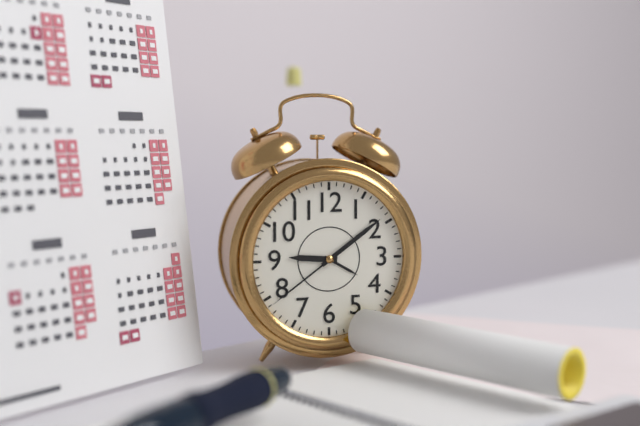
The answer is 9h09m39s
